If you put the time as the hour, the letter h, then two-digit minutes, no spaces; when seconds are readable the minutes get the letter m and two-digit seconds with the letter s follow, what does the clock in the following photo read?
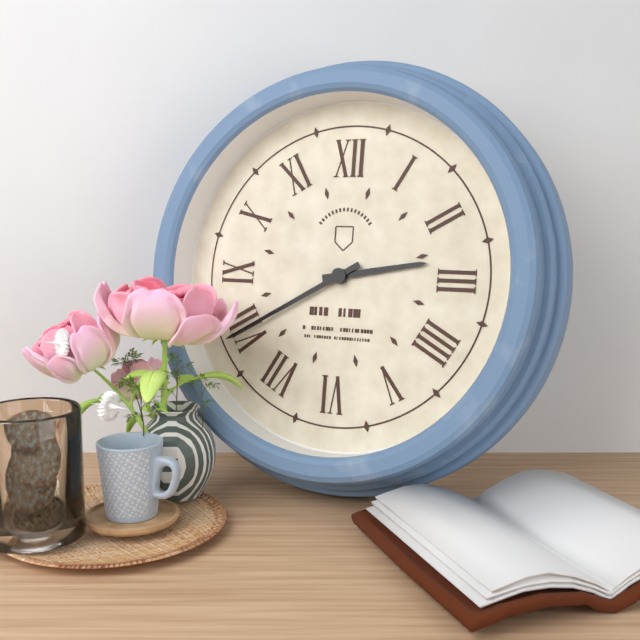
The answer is 2h40
